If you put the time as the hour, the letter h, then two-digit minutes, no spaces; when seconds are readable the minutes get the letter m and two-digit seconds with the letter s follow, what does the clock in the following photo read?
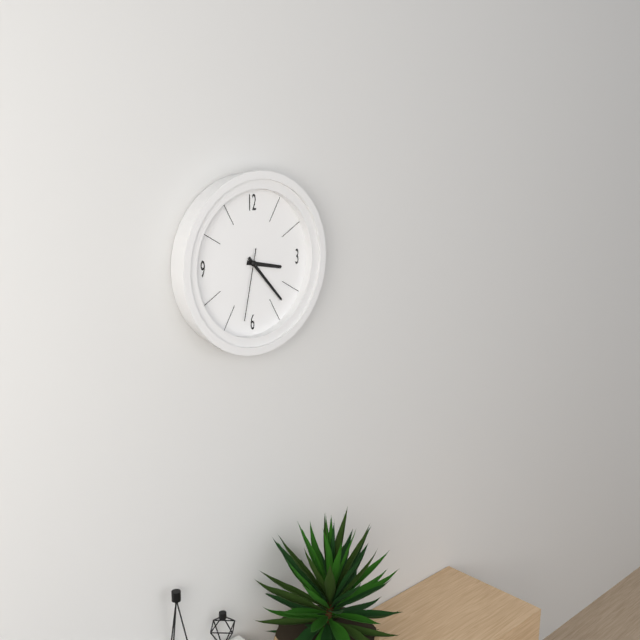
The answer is 3h23m32s
